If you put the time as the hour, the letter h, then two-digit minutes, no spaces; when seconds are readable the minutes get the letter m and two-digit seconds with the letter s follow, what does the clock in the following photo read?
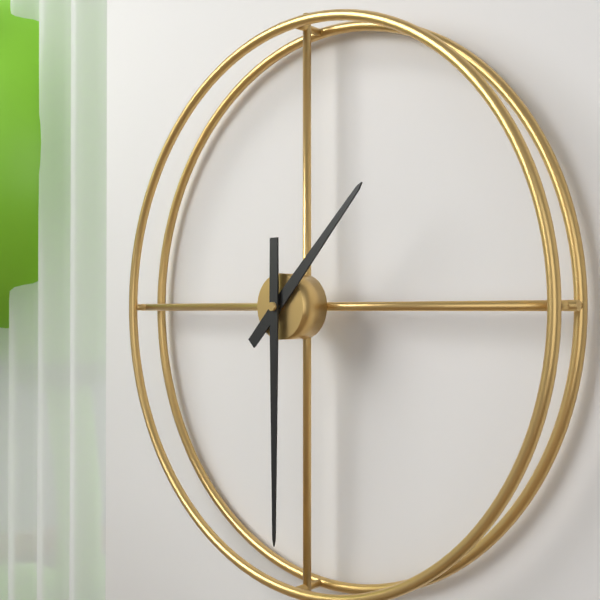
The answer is 1h30
